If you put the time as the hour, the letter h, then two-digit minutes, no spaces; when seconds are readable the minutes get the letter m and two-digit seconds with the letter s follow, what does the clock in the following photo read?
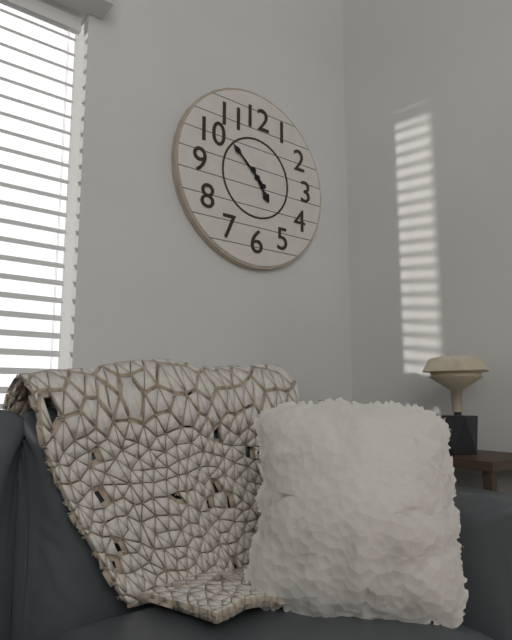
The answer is 4h52
